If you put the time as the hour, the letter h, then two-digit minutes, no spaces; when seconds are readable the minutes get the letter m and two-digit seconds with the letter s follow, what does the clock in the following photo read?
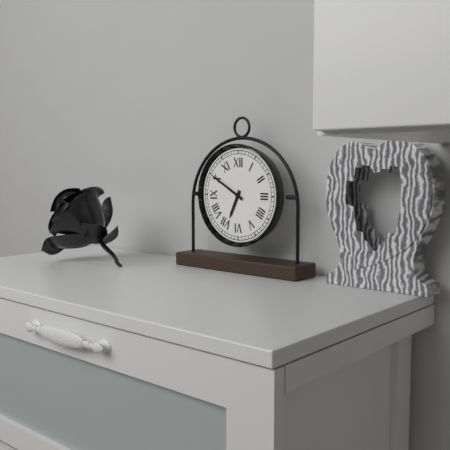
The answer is 6h50
